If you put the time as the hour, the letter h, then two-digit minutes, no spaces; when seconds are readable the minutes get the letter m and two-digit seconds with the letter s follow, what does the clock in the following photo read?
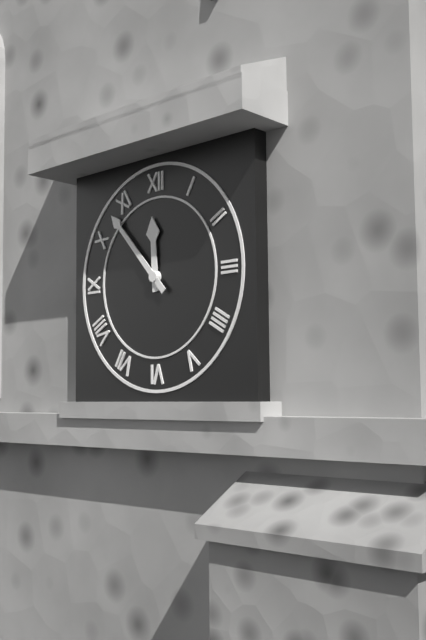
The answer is 11h53
